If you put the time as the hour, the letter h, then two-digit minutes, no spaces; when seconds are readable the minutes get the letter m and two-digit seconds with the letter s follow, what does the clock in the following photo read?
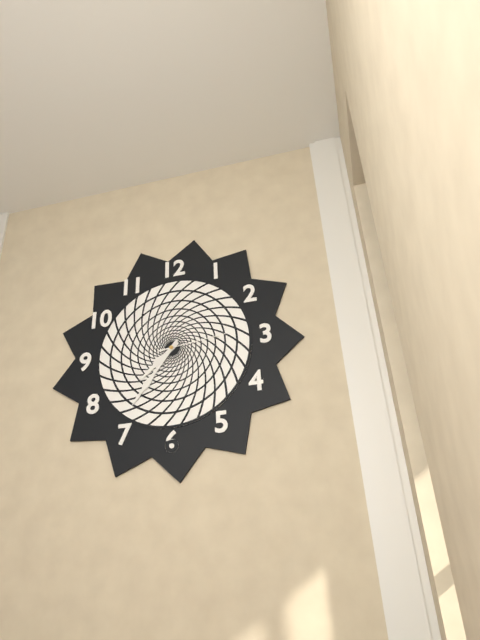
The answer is 7h36m14s
